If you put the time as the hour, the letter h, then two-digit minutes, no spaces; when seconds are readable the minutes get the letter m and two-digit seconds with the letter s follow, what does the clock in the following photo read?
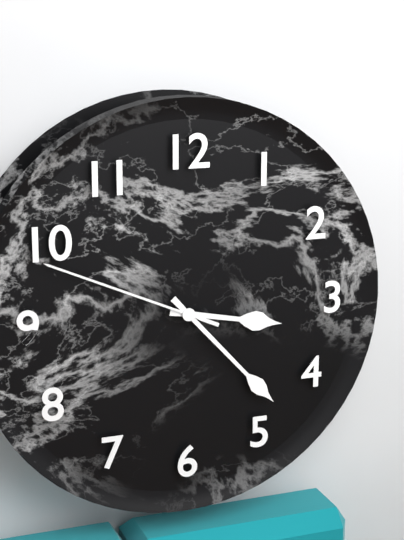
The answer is 3h23m49s
